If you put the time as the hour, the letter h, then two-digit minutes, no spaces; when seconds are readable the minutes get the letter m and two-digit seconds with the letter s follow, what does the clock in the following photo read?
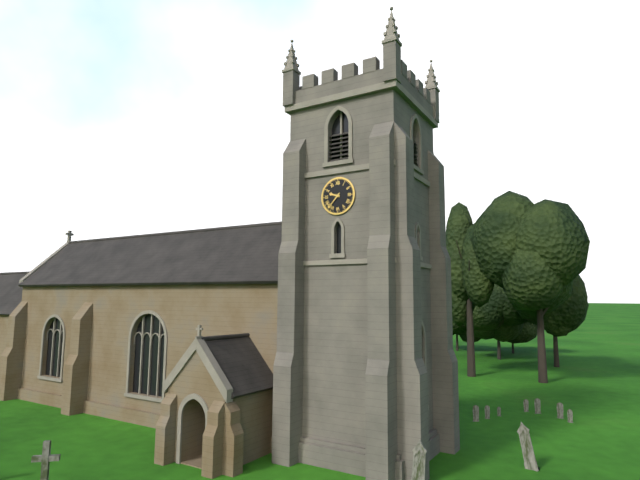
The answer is 9h37
